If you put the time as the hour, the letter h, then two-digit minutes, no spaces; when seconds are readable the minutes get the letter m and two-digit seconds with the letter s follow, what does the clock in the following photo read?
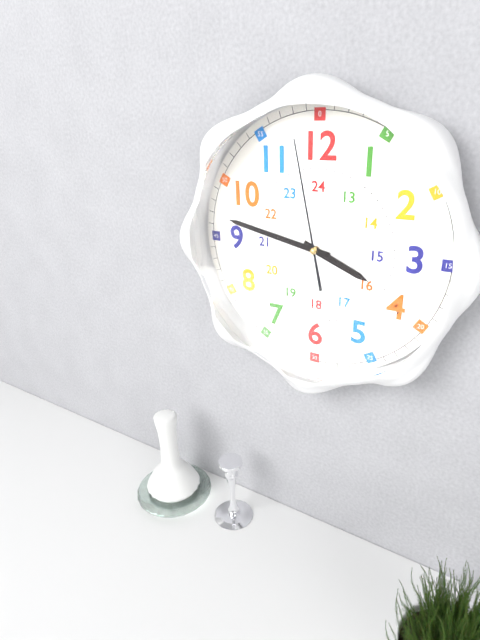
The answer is 3h47m58s
